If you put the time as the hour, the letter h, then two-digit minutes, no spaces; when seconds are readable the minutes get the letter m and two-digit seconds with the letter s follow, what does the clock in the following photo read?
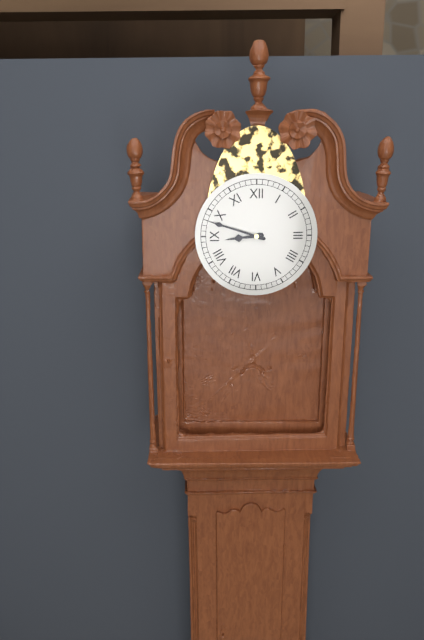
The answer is 8h48
